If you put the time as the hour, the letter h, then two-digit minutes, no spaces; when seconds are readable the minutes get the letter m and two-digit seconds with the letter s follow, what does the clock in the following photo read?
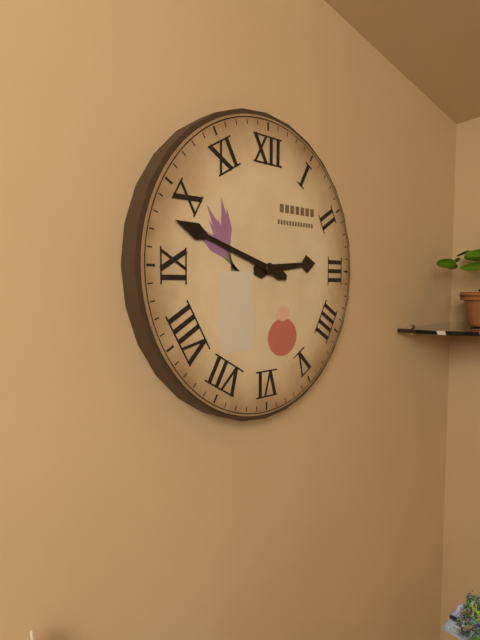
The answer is 2h48
